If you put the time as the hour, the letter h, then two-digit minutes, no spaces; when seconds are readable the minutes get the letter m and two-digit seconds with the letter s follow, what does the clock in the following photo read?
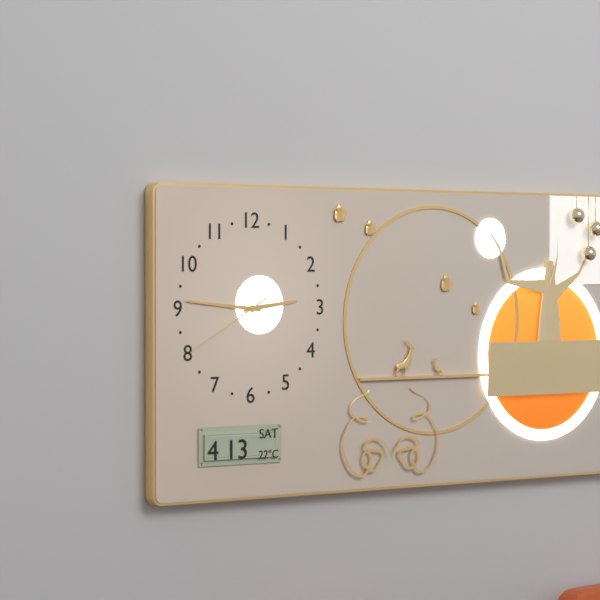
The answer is 2h46m40s
